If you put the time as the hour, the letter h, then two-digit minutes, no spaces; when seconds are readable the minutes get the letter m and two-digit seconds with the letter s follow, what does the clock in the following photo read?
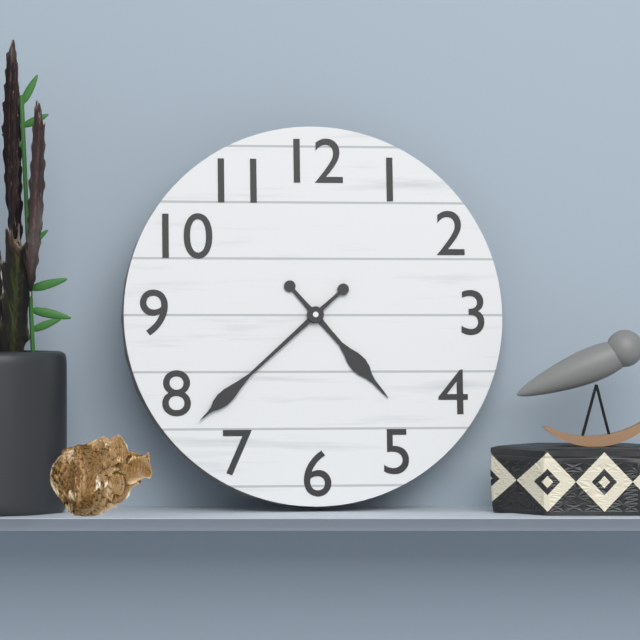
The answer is 4h38
